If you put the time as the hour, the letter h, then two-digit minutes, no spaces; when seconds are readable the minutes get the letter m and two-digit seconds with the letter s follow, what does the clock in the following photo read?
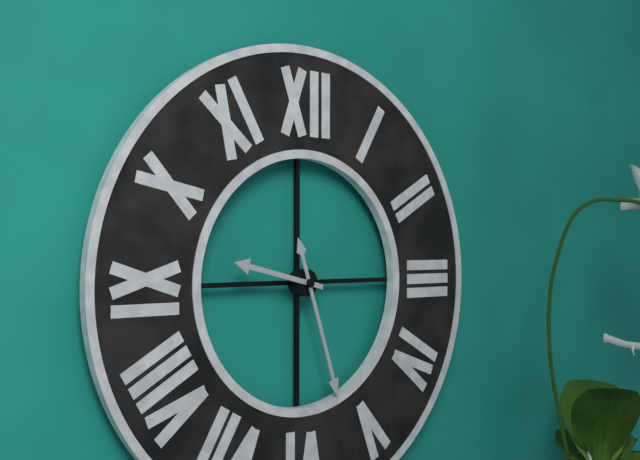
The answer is 9h27
